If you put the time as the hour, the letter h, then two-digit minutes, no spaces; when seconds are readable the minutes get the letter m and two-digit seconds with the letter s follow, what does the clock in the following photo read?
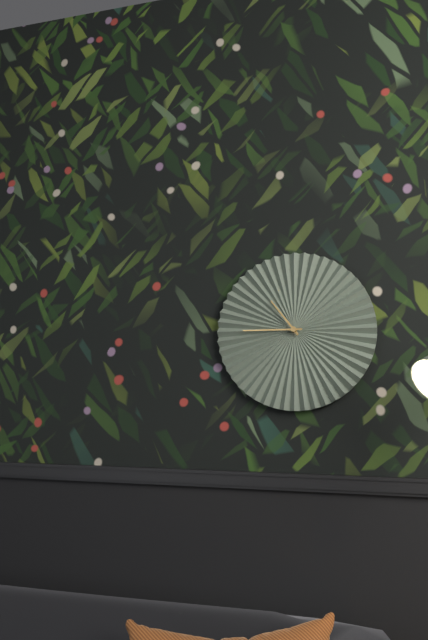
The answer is 10h45
